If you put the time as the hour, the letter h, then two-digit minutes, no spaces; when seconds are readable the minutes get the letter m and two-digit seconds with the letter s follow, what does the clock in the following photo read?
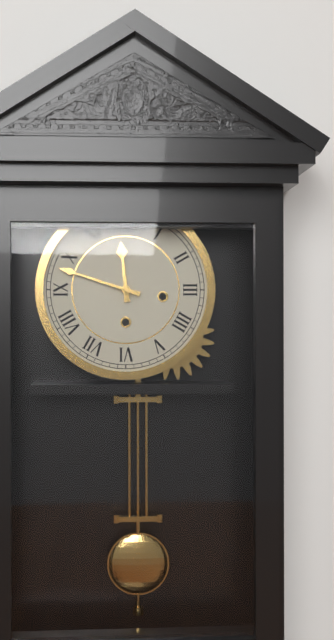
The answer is 11h48
